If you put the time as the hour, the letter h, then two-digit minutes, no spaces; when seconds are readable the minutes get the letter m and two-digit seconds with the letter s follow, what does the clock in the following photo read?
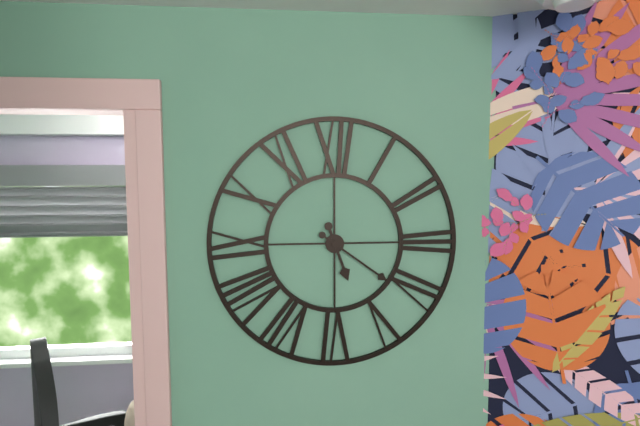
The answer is 5h21
